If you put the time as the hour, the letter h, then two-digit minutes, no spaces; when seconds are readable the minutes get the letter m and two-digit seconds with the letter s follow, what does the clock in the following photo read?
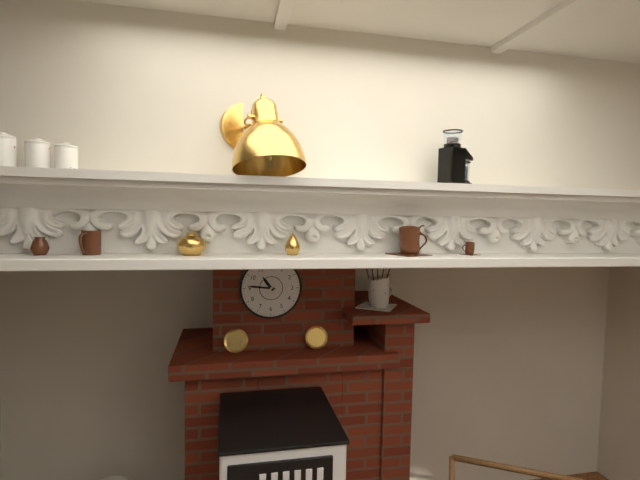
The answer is 10h46
